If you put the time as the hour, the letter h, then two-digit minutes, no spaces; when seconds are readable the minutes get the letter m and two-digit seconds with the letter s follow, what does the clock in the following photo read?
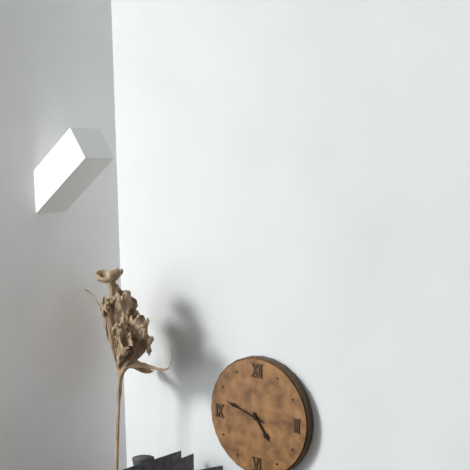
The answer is 4h48
